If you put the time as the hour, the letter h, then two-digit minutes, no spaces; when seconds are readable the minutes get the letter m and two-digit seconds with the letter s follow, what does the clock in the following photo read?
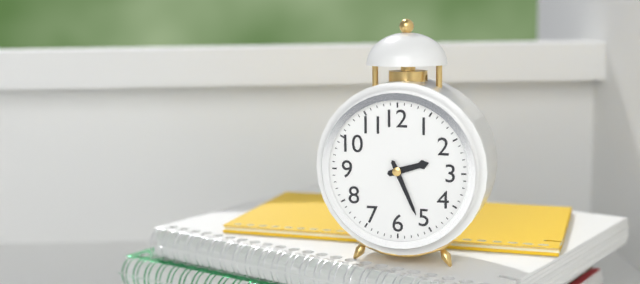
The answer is 2h26
